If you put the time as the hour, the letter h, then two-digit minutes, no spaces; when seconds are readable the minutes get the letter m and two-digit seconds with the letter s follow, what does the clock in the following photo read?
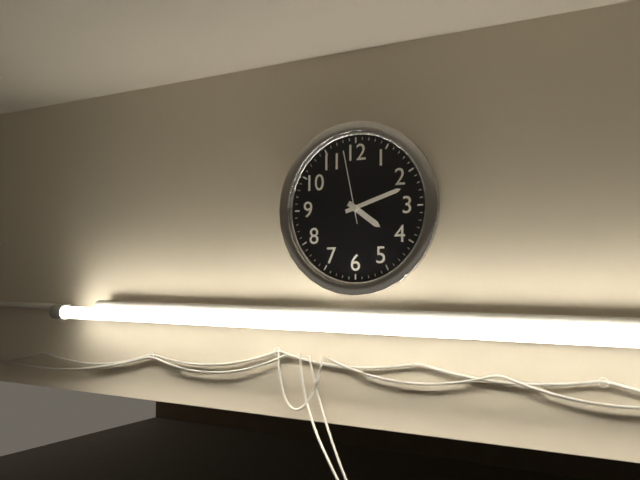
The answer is 4h12m58s
